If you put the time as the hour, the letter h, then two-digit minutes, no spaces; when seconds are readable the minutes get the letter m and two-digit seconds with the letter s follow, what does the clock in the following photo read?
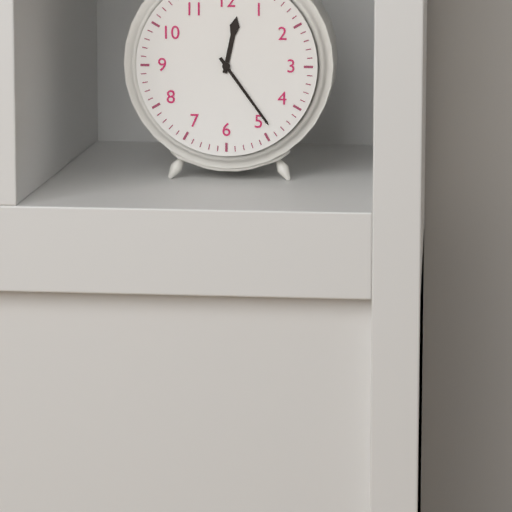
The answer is 12h24
